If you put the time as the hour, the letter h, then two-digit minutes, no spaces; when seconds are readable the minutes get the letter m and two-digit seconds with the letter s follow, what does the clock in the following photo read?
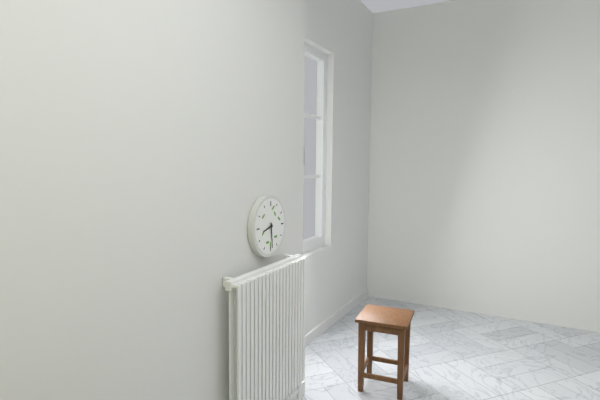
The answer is 8h29
